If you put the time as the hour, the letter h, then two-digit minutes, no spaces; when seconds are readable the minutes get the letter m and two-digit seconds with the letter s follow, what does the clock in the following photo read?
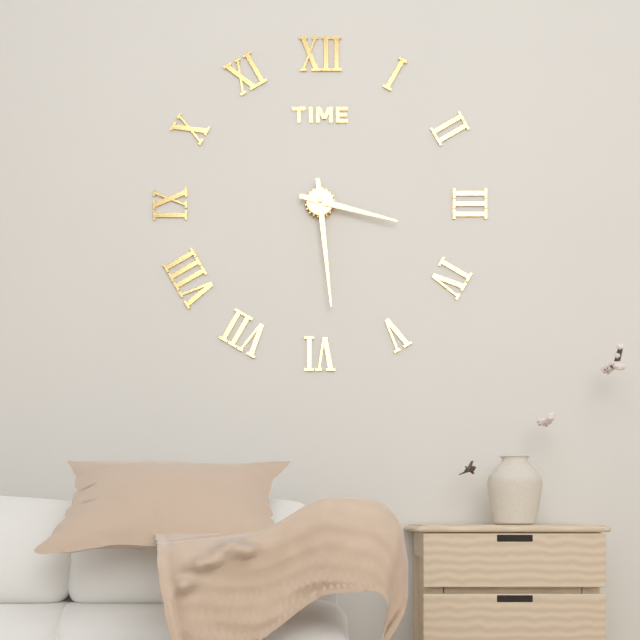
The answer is 3h29
